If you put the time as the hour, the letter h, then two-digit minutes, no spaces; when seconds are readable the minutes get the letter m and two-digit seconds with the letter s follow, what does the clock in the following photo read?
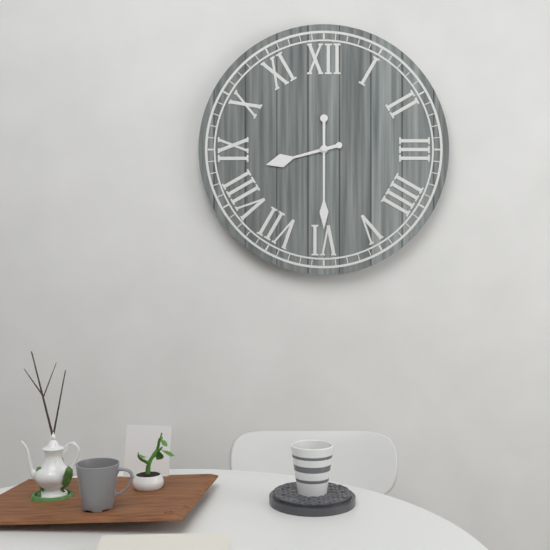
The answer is 8h30
